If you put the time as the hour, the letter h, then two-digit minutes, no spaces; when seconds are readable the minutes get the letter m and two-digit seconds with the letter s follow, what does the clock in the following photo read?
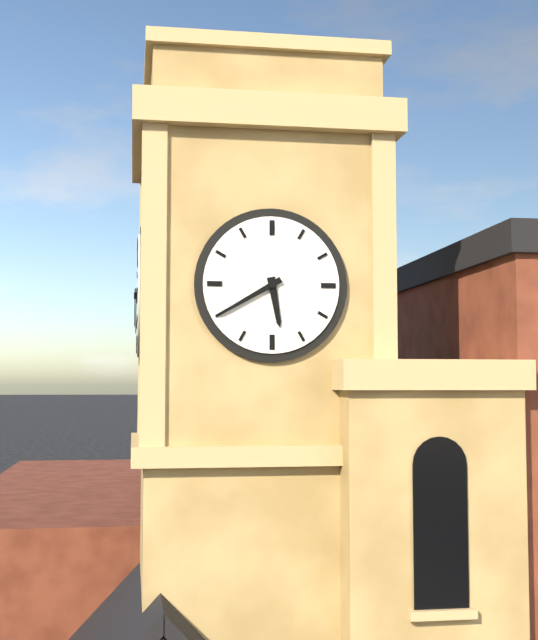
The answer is 5h40
